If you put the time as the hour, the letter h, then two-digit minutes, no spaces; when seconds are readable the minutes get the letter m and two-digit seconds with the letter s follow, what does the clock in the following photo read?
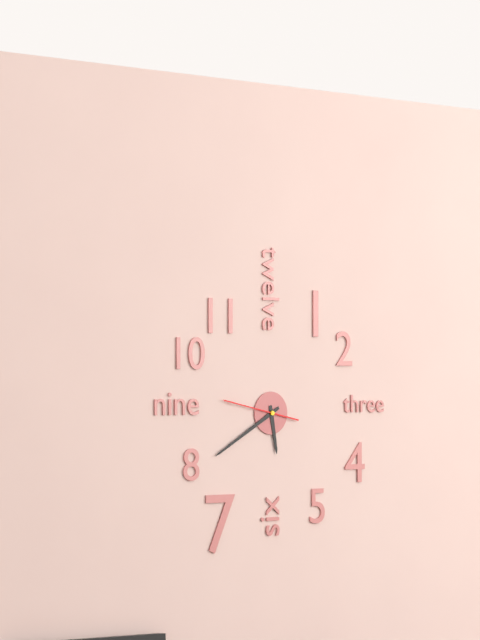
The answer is 5h40m47s
